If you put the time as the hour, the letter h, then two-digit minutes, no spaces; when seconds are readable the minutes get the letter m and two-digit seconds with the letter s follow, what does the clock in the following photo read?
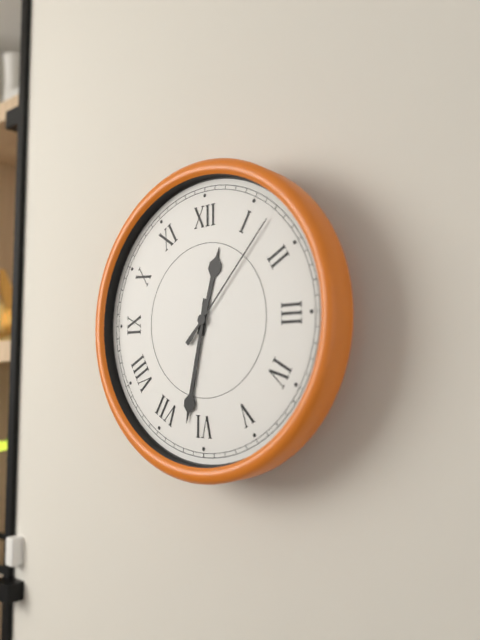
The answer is 12h32m07s
